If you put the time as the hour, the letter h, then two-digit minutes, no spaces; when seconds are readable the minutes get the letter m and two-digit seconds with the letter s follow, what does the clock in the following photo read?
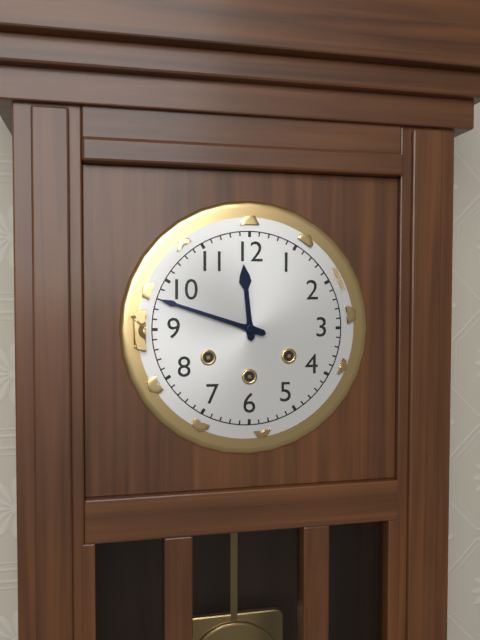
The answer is 11h48
